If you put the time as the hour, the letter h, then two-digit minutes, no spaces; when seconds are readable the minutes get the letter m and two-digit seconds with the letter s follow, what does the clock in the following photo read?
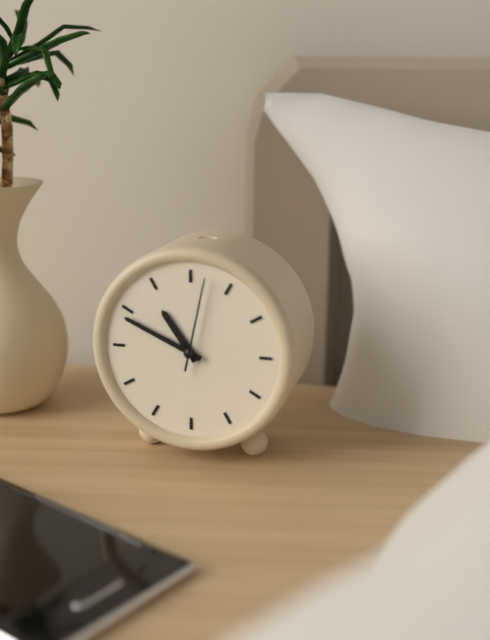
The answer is 10h49m02s
